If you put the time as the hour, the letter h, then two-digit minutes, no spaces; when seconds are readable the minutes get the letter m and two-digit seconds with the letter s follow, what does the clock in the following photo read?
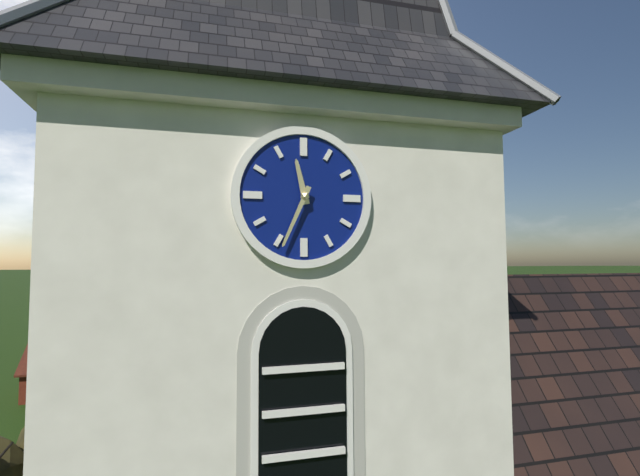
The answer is 11h34
